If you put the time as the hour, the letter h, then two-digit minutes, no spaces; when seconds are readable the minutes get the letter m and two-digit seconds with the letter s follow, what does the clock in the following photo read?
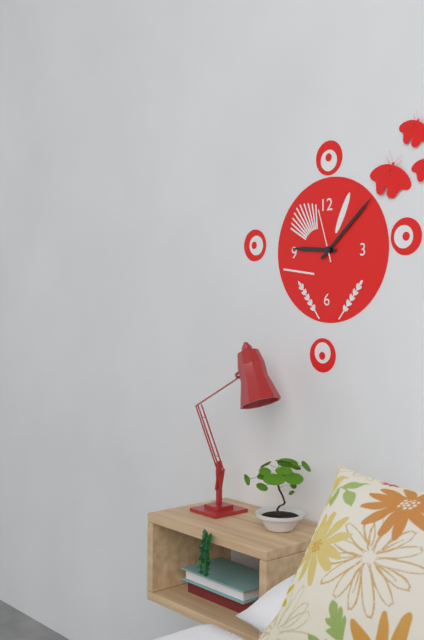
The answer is 9h08m57s
